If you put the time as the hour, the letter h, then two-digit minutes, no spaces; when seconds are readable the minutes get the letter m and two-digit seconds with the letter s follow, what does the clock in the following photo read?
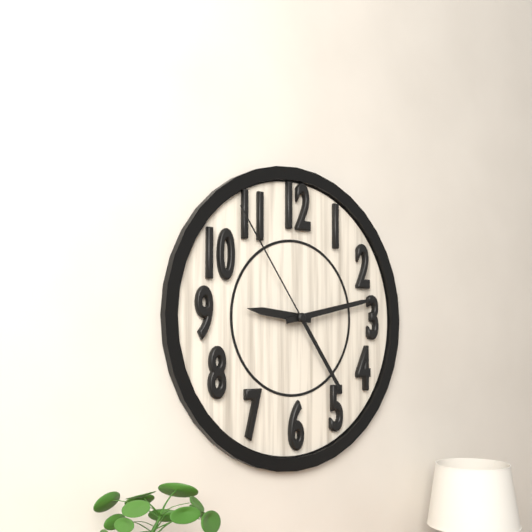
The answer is 9h13m54s
